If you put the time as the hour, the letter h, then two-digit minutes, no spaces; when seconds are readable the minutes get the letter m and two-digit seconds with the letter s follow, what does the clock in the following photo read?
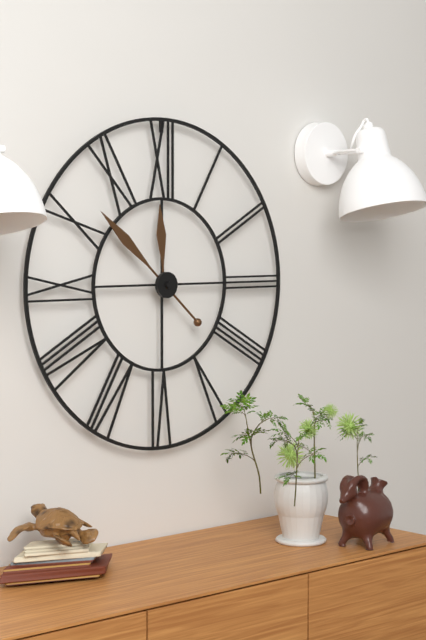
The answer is 11h52
